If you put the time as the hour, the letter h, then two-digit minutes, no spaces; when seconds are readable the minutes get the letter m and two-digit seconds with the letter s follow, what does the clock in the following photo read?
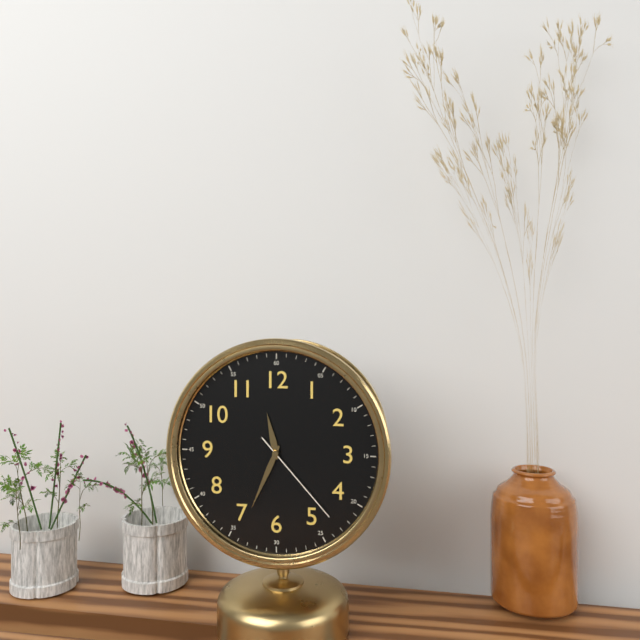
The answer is 11h34m23s
